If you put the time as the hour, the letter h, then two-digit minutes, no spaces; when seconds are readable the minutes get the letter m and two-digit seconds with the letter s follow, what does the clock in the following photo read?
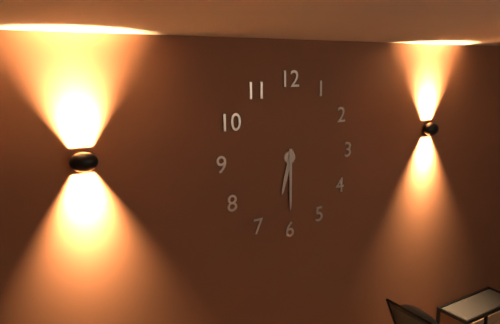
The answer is 6h30
